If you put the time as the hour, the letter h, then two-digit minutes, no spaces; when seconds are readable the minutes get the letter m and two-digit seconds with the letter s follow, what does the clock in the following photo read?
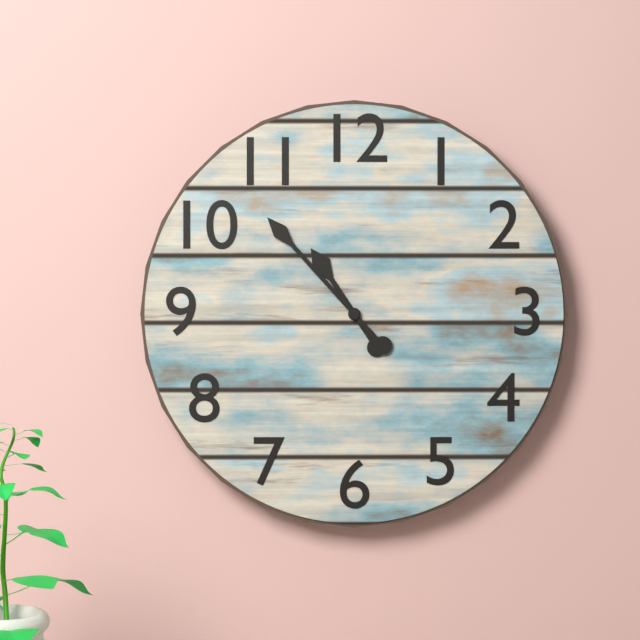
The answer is 10h53
